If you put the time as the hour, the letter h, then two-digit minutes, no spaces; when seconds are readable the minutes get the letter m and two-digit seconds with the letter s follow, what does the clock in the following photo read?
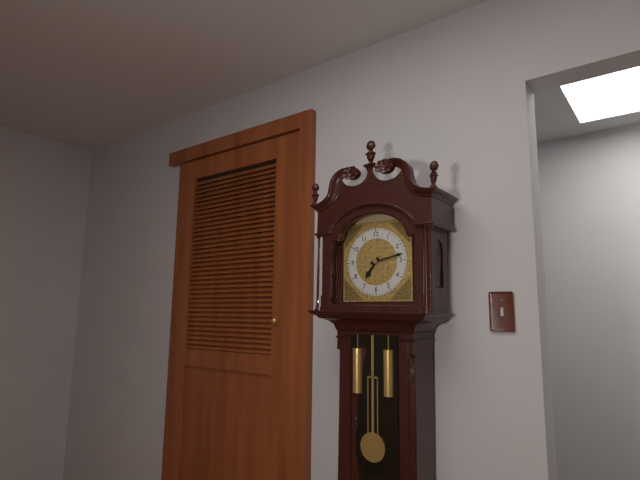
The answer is 7h13
